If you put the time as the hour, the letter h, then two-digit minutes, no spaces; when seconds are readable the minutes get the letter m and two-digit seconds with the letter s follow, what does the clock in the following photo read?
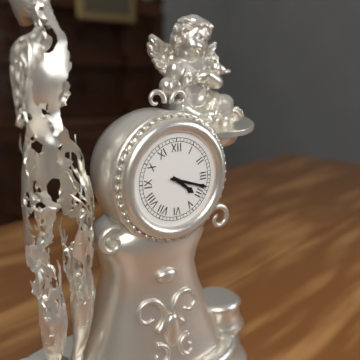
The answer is 4h18
